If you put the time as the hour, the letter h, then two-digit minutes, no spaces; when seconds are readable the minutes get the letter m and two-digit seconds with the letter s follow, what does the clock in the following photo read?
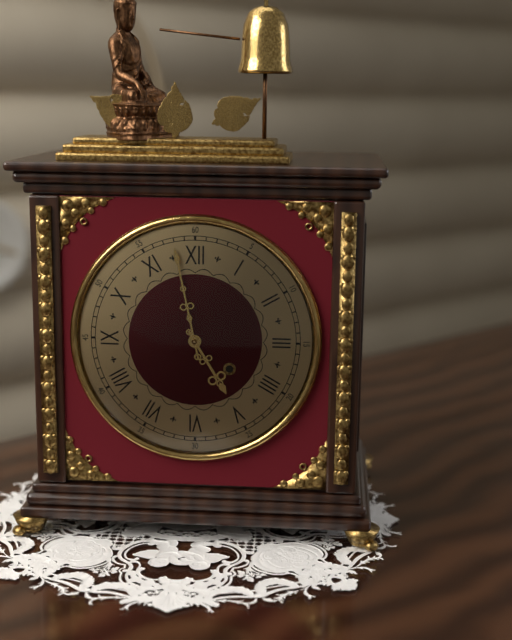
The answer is 4h58
